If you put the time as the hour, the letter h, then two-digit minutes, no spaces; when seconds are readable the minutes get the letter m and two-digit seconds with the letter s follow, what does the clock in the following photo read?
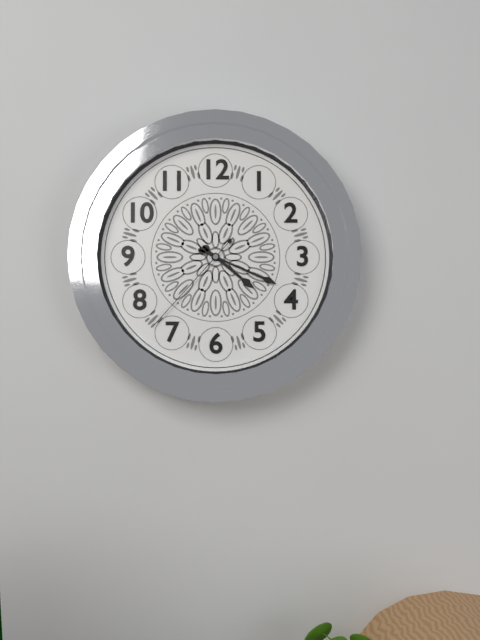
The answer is 4h19m37s
